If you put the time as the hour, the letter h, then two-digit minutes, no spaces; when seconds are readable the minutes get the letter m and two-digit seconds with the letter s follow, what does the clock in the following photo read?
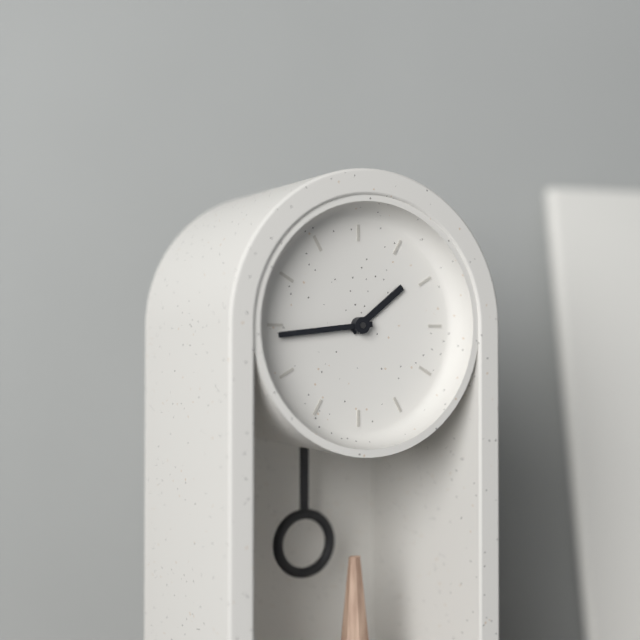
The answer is 1h44
